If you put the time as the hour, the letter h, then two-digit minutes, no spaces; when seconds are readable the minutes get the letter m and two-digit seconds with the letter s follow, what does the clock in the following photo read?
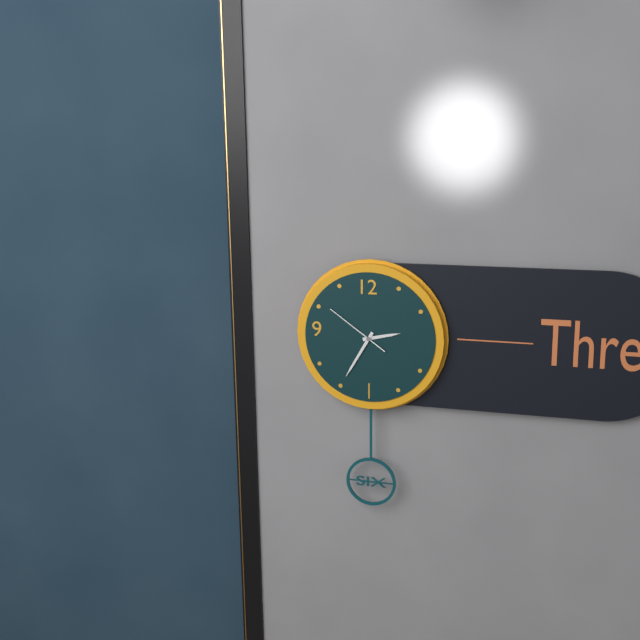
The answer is 2h35m51s
